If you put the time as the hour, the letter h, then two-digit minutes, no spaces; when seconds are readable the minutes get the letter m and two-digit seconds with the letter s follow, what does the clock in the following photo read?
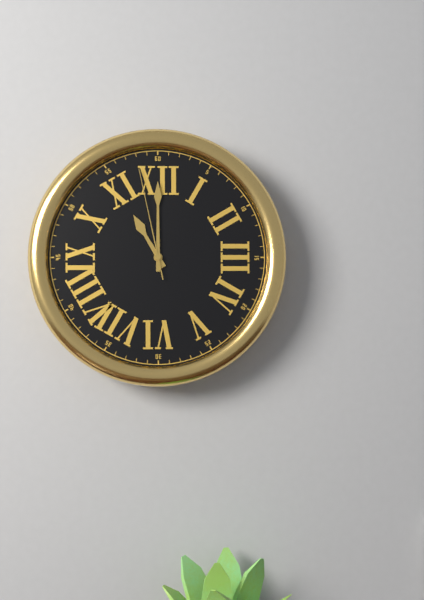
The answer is 11h00m58s
